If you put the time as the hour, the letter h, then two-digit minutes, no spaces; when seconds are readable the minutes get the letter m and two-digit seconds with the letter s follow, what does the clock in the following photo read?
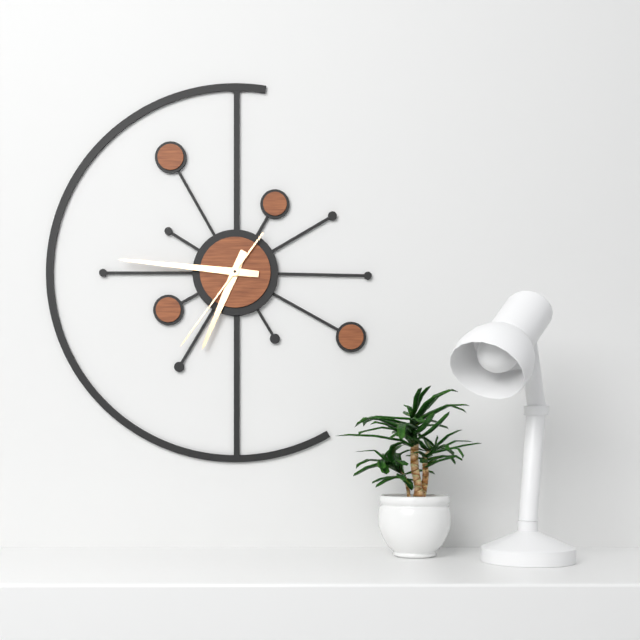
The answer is 6h46m36s
